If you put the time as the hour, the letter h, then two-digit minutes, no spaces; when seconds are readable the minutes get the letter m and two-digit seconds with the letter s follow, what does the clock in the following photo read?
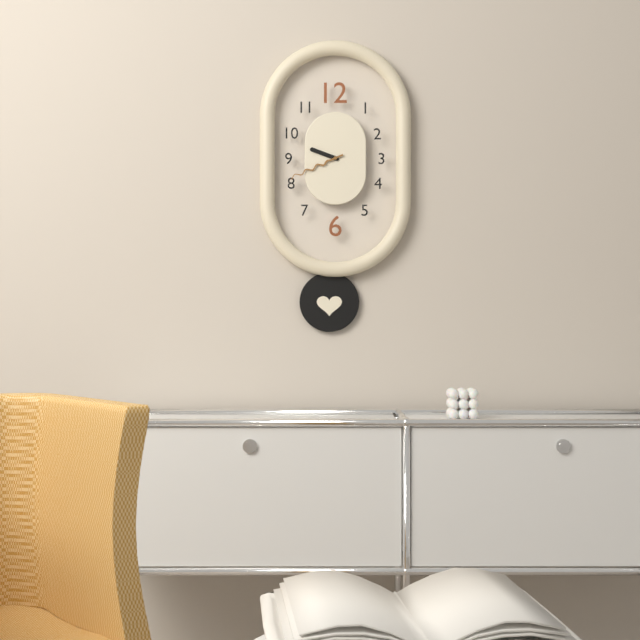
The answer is 9h41
